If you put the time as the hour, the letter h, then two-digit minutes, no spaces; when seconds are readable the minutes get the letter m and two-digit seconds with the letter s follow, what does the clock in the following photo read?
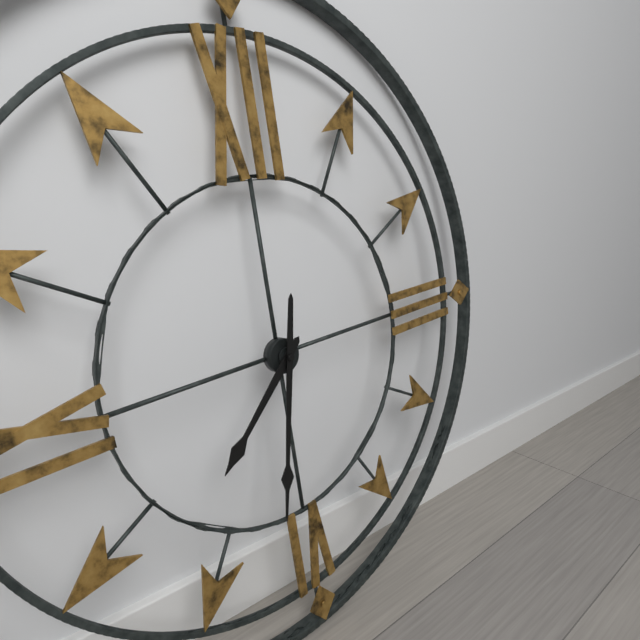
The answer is 7h32
